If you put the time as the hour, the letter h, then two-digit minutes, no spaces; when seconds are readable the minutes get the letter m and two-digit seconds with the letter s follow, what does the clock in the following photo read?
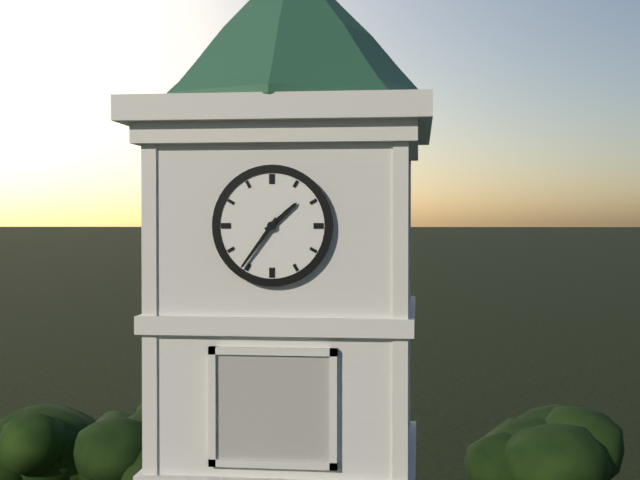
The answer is 1h36
